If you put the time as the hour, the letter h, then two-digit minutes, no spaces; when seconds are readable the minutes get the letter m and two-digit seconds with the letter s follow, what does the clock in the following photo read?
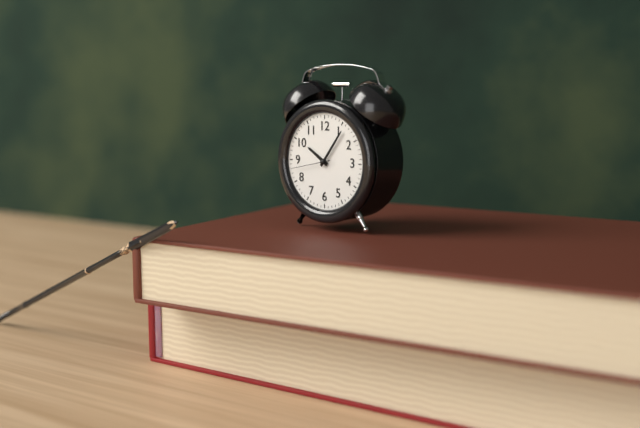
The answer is 10h06
